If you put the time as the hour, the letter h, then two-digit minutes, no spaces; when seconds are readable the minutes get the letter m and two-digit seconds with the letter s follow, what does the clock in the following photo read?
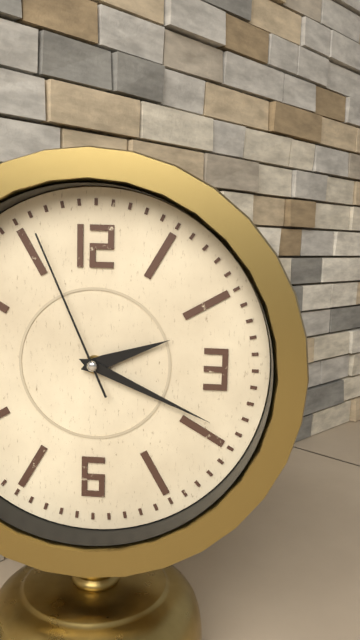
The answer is 2h19m56s
